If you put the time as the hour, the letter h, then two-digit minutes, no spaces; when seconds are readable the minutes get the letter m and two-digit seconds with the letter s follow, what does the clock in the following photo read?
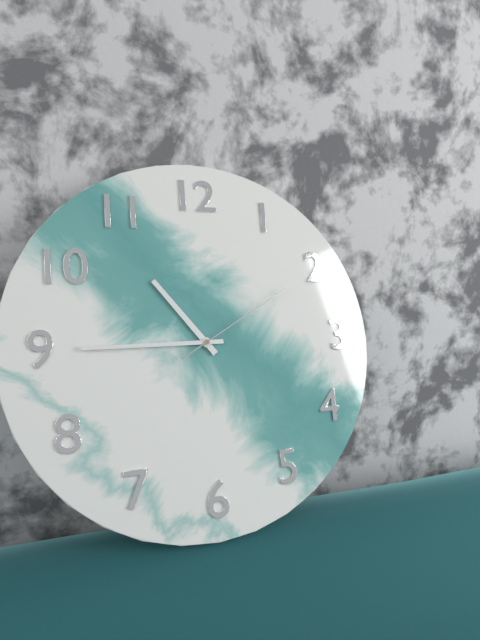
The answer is 10h45m10s
